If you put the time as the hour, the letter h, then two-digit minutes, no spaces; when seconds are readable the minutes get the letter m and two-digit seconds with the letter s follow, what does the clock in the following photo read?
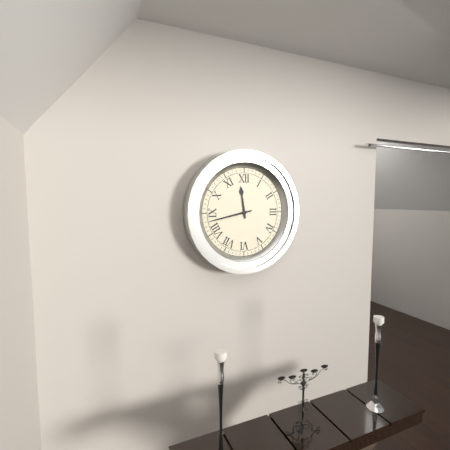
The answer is 11h43
